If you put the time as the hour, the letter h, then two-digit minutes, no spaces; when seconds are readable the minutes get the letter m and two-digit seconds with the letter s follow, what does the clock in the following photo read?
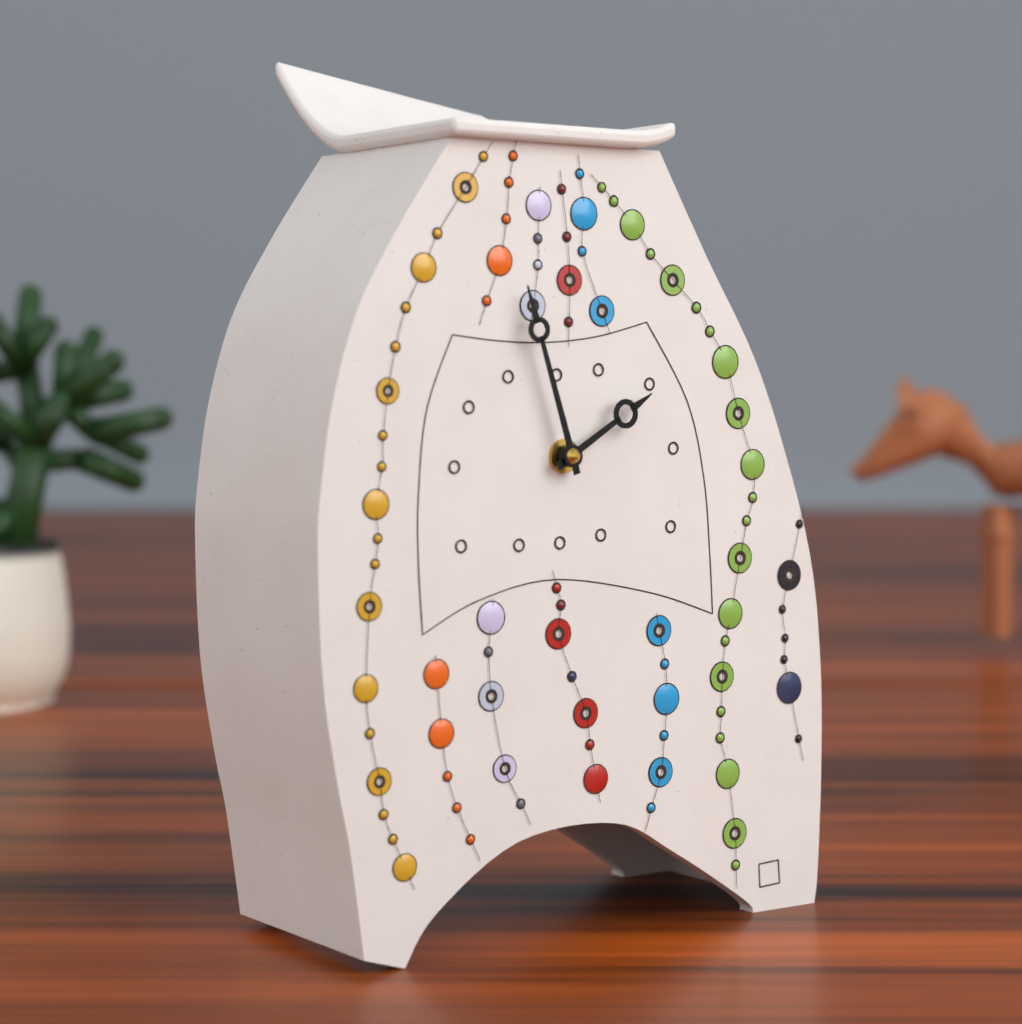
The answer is 1h57
